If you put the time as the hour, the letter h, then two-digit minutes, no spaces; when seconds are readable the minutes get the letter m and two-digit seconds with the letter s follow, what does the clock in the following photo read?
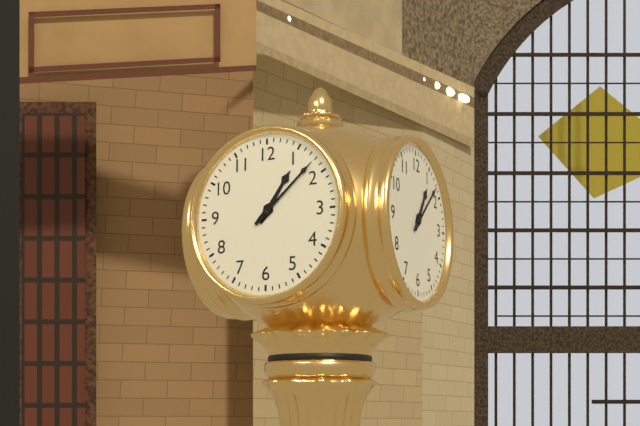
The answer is 1h08
